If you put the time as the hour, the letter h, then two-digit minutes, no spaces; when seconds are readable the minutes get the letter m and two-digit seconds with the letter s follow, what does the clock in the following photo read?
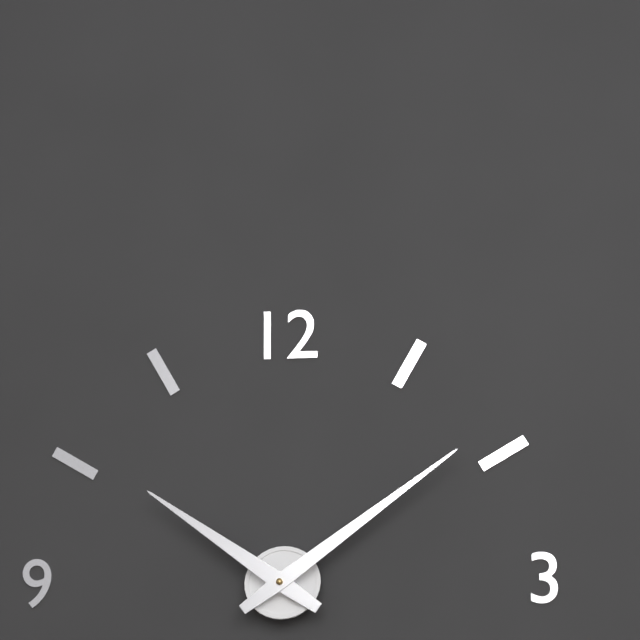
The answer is 10h09
